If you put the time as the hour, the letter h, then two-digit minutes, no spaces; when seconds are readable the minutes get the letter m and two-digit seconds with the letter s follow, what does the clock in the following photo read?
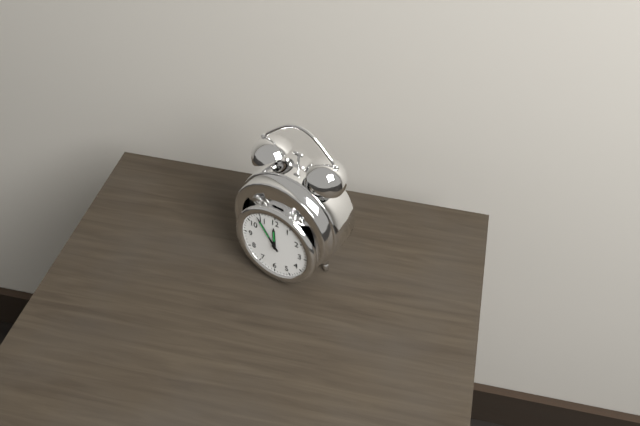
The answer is 11h54
